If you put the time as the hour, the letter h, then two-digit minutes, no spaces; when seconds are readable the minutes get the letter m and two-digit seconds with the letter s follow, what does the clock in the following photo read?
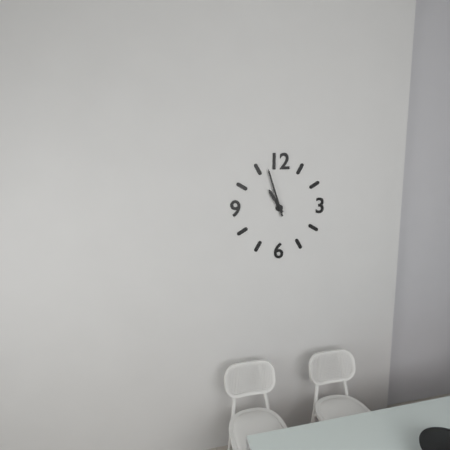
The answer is 10h57
